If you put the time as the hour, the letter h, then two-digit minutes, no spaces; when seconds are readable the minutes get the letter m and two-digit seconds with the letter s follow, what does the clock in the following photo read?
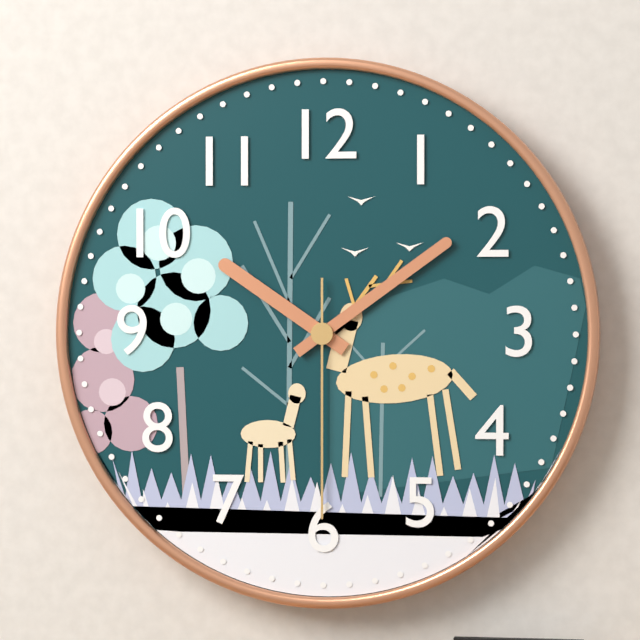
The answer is 10h09m30s
